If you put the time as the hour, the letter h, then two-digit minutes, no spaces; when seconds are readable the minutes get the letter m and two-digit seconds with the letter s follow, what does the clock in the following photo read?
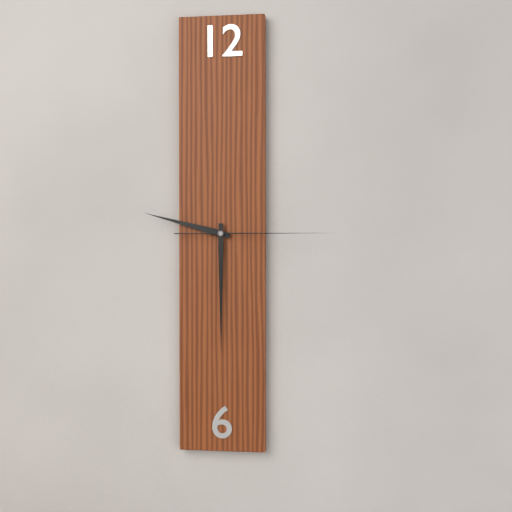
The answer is 9h30m15s
